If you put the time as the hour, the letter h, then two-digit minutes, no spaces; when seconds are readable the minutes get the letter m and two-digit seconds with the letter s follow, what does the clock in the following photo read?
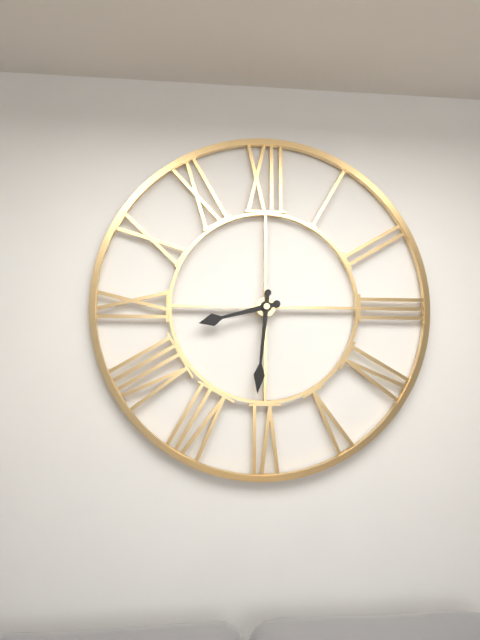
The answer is 8h31
